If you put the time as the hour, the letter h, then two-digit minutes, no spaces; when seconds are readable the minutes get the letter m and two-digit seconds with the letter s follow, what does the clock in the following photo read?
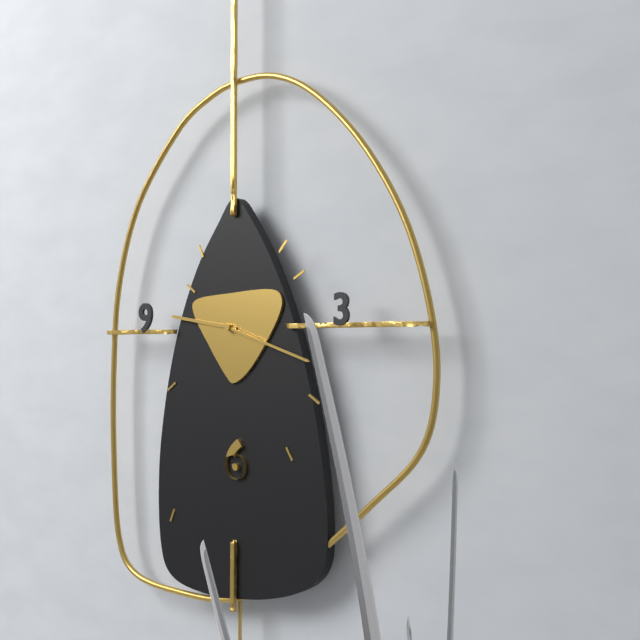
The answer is 9h18
